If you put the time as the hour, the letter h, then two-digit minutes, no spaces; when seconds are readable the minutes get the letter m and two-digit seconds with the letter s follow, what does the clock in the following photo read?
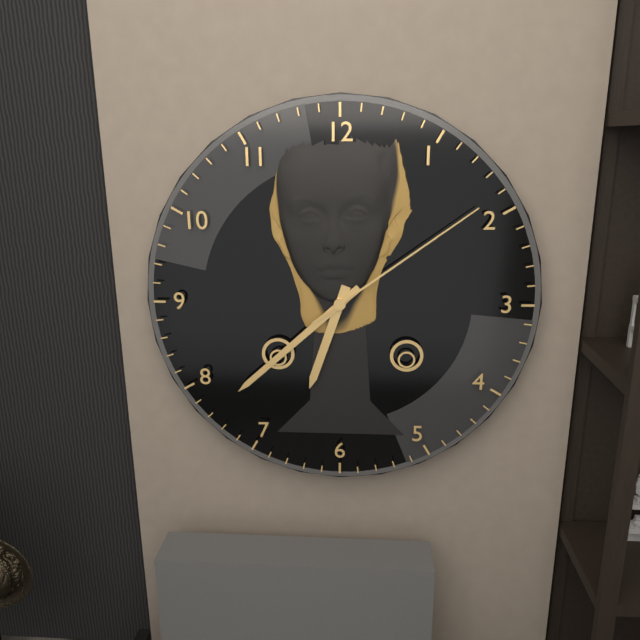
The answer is 6h38m09s
